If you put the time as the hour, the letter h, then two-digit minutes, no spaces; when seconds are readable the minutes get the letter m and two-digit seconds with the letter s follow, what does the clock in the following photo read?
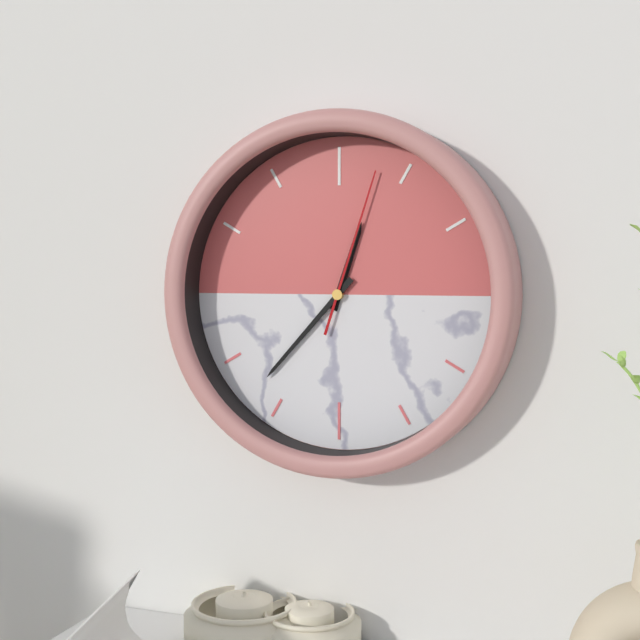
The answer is 12h37m03s
